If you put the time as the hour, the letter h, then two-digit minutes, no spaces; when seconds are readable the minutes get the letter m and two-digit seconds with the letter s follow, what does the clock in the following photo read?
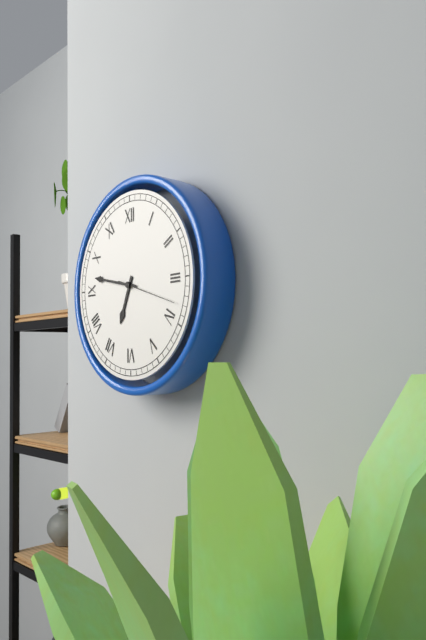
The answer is 6h47m18s
